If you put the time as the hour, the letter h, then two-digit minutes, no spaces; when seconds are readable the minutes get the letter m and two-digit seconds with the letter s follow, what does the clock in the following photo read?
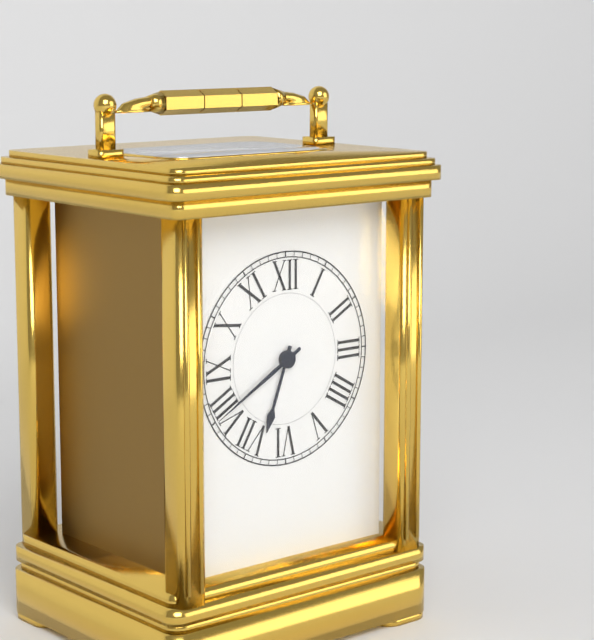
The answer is 6h40
